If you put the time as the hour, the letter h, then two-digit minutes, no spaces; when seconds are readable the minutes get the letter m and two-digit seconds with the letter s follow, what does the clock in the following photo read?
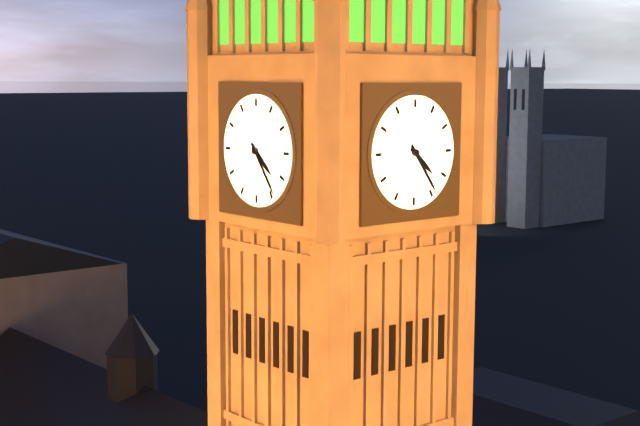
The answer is 4h24
